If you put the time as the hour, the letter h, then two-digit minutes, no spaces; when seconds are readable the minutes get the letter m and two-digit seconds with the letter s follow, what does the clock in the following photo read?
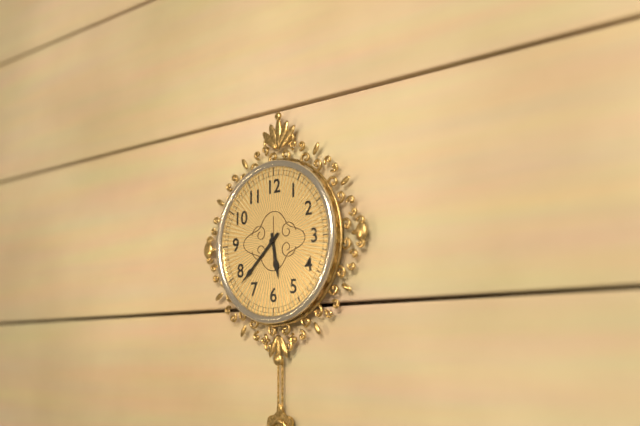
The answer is 5h38
